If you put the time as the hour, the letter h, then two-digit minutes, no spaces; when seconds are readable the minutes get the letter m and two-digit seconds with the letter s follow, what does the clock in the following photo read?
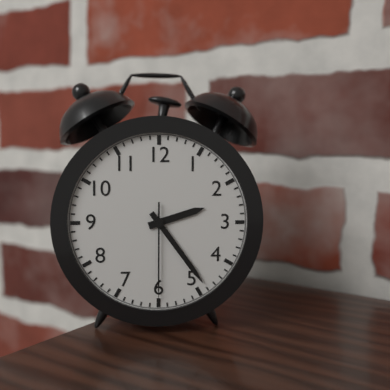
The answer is 2h24m30s
